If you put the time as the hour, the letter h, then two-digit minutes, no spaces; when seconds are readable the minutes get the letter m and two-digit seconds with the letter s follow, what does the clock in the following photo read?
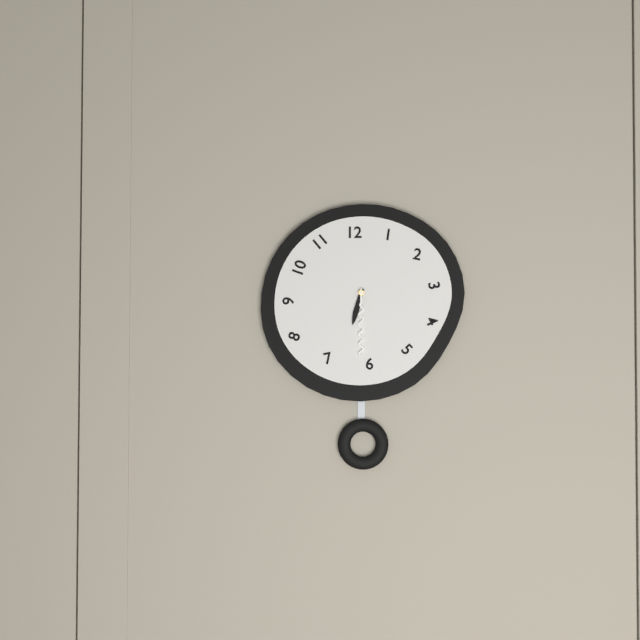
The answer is 6h30
